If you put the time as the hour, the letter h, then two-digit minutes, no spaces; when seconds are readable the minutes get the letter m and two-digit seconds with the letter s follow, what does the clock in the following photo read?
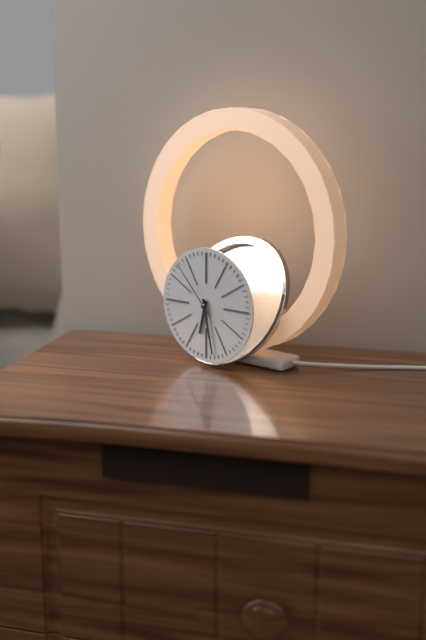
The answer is 6h28m53s
